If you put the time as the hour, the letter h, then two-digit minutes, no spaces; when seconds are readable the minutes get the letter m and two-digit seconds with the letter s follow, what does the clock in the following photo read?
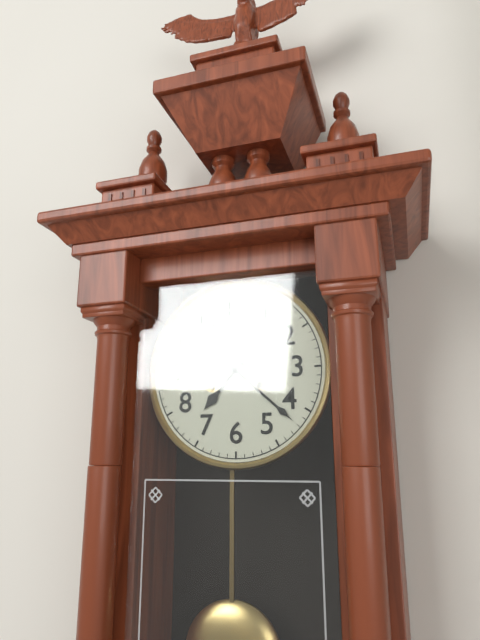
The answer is 7h22
